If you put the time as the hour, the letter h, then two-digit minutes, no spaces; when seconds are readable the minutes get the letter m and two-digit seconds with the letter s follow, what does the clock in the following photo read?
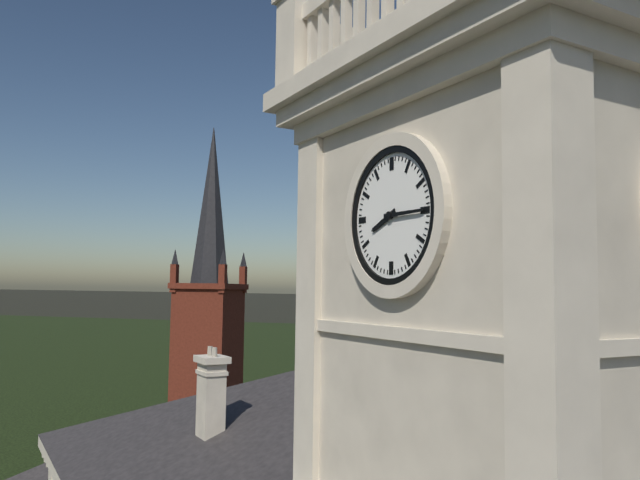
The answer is 8h15
